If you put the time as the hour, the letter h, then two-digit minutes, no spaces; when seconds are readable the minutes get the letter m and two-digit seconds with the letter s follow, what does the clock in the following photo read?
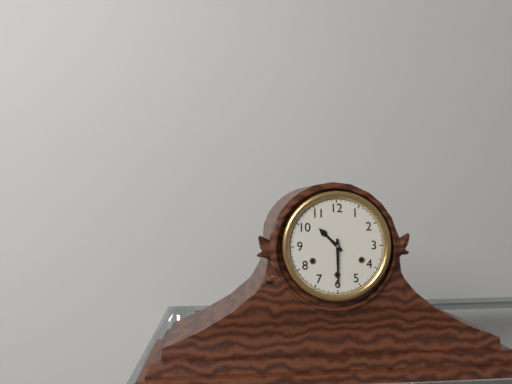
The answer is 10h30
